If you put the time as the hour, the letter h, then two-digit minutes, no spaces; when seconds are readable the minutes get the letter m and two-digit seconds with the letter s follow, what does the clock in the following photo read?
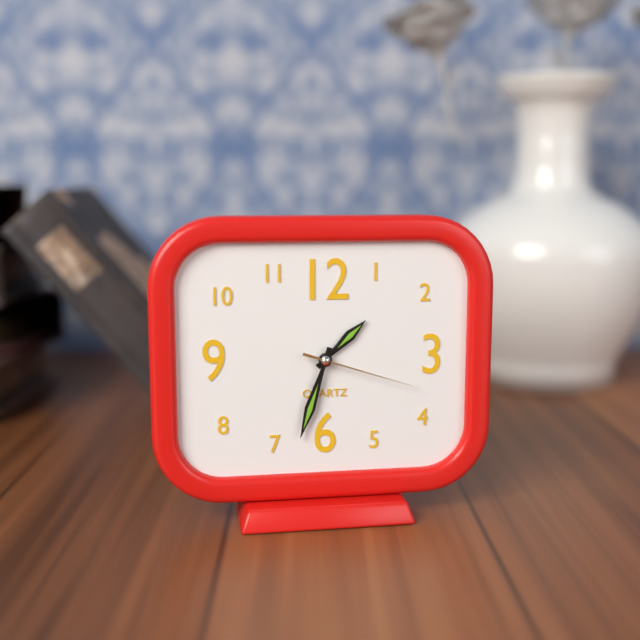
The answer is 1h33m18s
